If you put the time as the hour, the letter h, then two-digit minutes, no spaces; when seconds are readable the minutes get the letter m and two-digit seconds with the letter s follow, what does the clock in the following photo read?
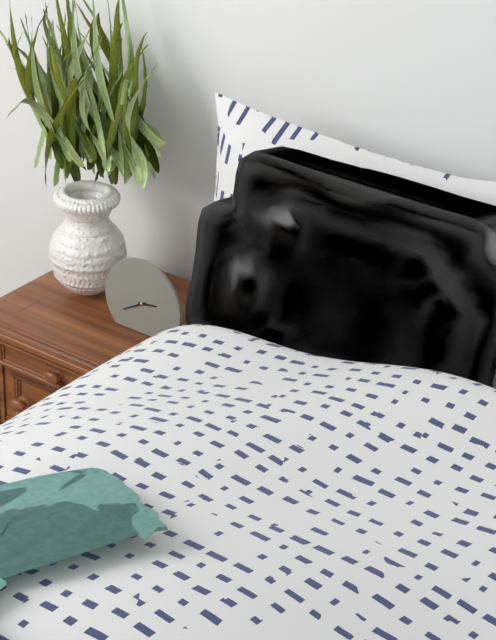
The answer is 2h40
